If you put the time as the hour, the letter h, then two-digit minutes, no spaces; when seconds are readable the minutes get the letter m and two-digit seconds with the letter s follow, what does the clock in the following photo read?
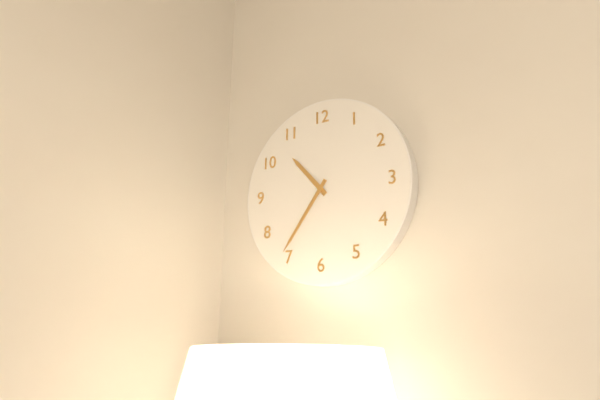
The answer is 10h36
